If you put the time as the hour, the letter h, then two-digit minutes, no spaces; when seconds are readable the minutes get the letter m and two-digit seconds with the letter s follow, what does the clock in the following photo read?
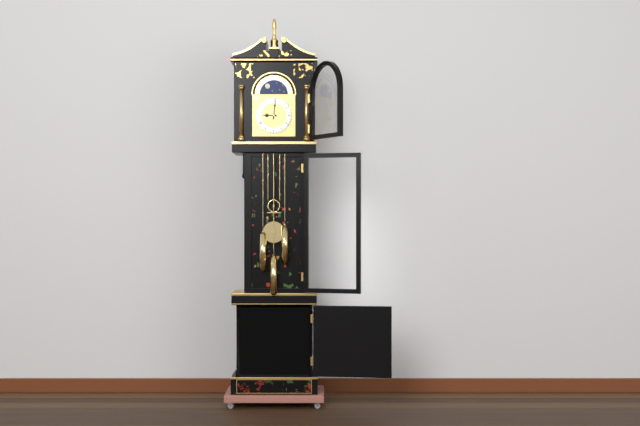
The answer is 9h01
